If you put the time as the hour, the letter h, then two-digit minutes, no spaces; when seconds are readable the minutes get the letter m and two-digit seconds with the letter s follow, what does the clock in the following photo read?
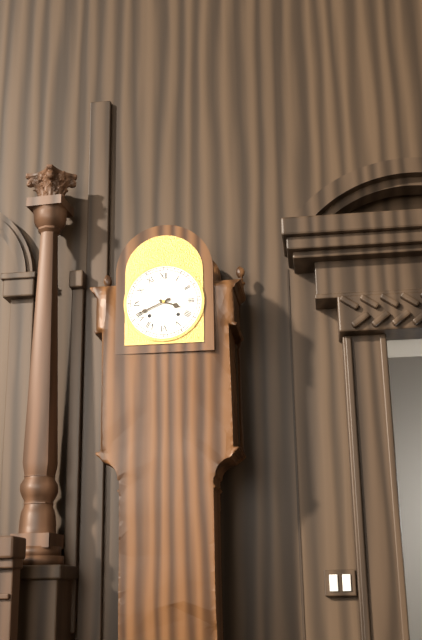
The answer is 3h41
